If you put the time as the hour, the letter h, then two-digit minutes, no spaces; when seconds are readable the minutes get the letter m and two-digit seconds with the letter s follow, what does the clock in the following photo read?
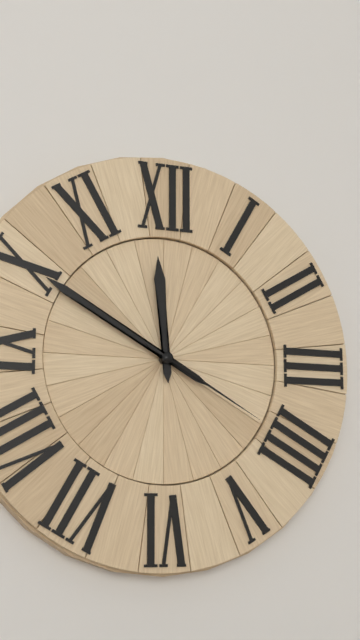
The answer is 11h50m20s
